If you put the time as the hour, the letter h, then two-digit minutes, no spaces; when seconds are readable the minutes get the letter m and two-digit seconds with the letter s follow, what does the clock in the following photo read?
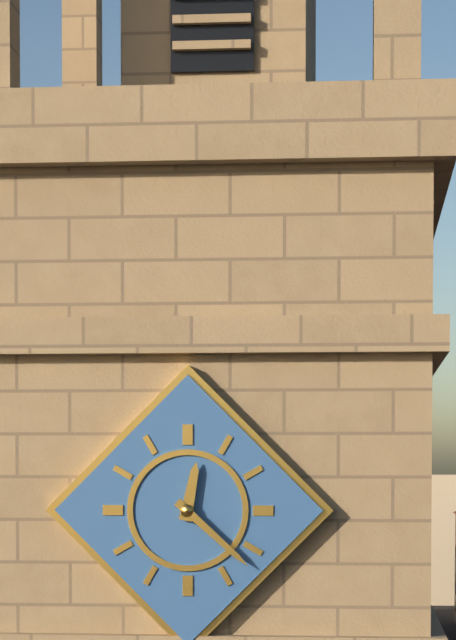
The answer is 12h22
